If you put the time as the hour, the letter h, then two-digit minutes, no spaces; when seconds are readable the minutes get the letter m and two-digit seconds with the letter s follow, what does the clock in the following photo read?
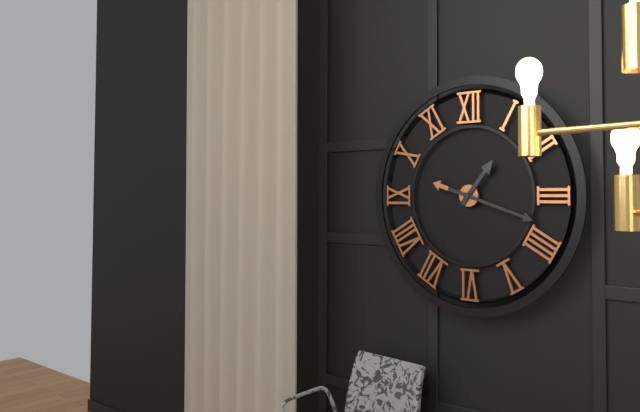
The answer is 1h18
